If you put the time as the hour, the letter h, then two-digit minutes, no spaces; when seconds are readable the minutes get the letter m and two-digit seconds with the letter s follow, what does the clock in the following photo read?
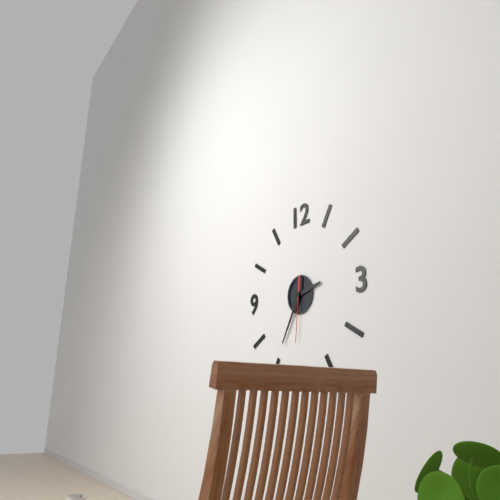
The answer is 2h35m31s
